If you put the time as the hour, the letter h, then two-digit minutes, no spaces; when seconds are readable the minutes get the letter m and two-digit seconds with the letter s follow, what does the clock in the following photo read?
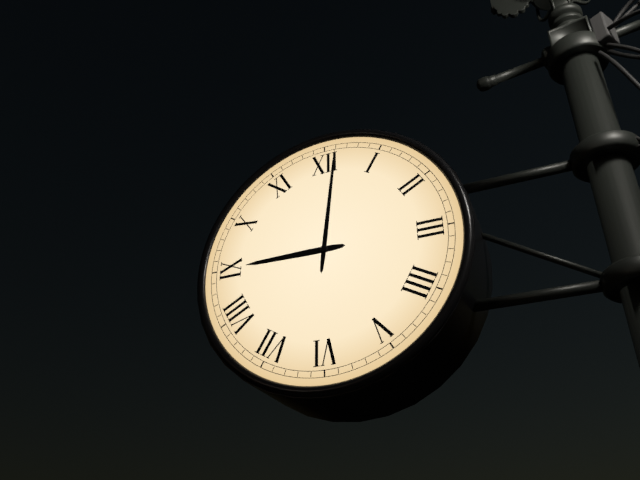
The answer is 9h01
